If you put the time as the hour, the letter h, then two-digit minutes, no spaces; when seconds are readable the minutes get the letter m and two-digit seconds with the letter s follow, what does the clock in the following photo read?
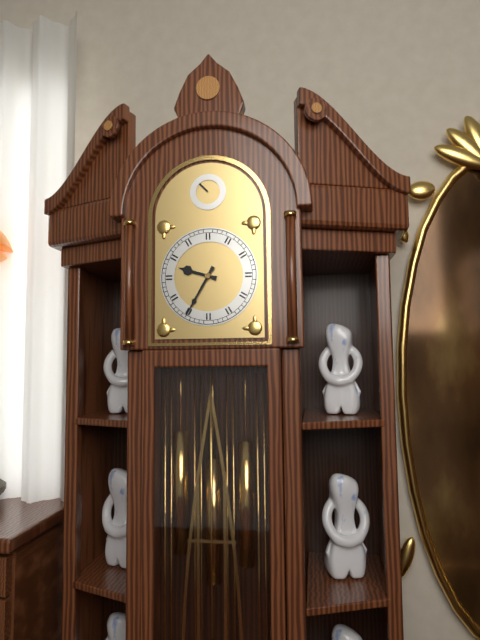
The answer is 9h35
